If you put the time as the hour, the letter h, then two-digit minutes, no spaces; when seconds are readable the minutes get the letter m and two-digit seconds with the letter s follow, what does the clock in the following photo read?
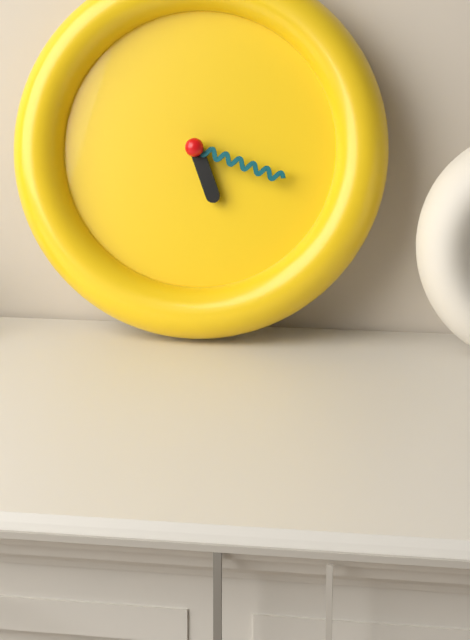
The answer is 5h18
